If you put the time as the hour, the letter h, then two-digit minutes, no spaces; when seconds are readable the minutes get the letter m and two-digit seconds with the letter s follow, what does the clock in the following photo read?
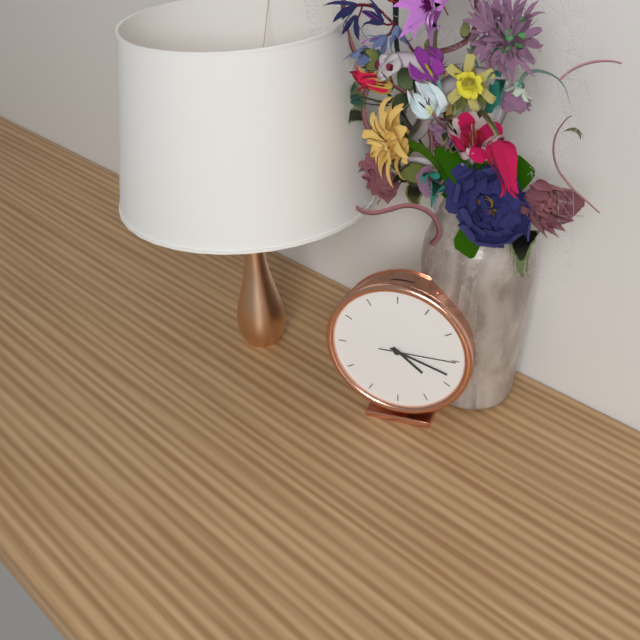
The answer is 4h18m15s
